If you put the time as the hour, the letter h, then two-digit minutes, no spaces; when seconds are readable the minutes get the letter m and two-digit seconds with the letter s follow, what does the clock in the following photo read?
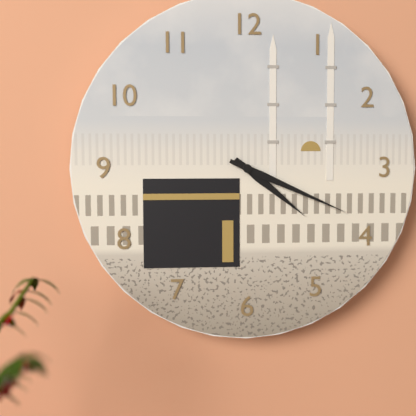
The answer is 4h19
